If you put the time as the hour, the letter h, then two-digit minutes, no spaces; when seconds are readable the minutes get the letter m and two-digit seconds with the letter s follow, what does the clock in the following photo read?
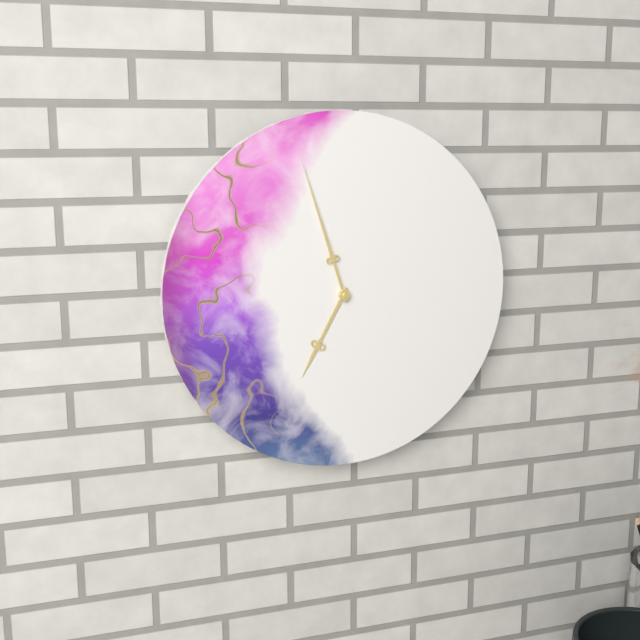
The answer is 6h57
